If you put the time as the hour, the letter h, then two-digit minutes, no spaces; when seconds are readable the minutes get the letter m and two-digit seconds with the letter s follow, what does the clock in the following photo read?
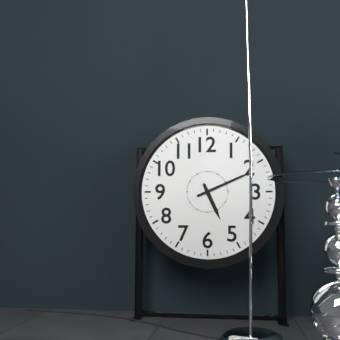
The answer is 5h11
